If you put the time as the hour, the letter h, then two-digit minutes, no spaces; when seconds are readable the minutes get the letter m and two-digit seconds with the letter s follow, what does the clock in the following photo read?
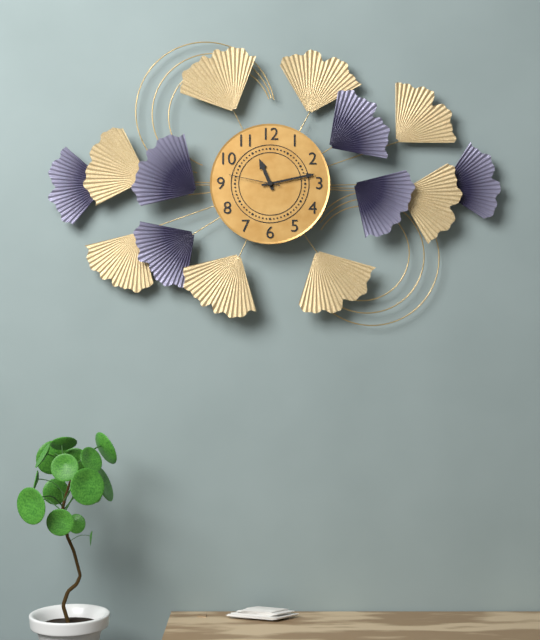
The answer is 11h13m47s
